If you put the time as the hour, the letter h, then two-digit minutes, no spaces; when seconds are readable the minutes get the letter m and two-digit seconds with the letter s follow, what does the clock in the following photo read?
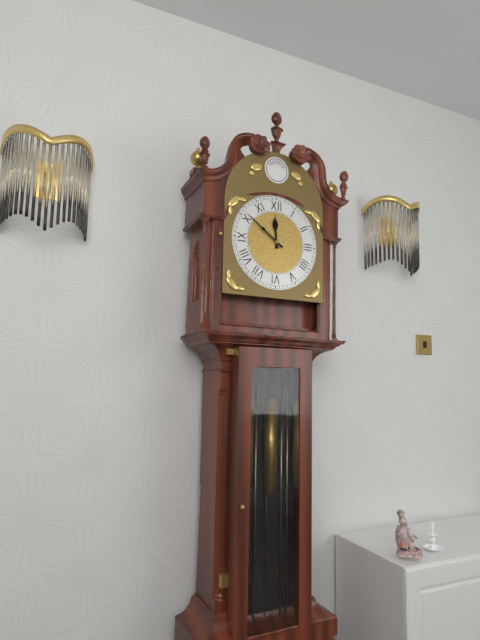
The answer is 11h51
